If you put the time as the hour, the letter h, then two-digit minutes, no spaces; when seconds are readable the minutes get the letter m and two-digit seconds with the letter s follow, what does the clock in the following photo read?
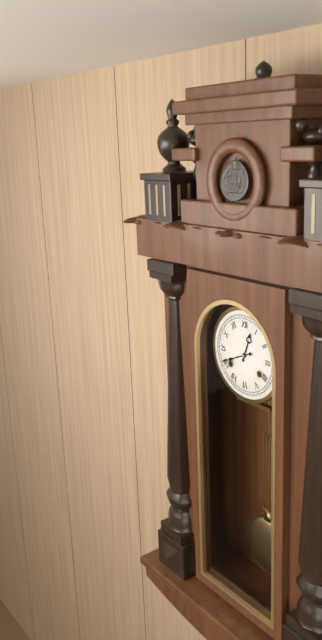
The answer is 12h41
